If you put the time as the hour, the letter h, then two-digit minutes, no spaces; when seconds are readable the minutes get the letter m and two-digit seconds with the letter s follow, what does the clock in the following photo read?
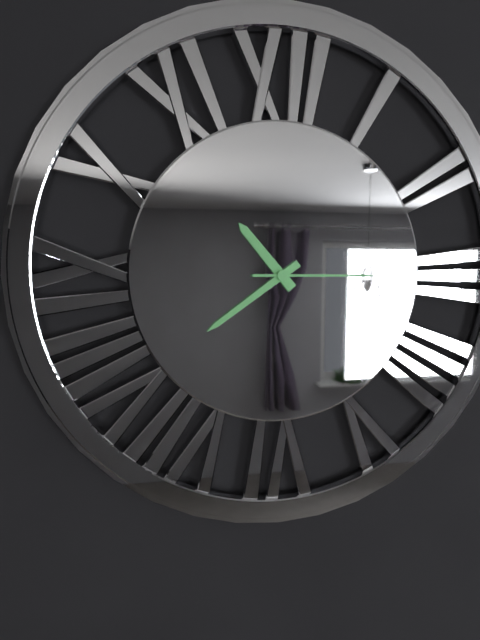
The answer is 10h39m15s
